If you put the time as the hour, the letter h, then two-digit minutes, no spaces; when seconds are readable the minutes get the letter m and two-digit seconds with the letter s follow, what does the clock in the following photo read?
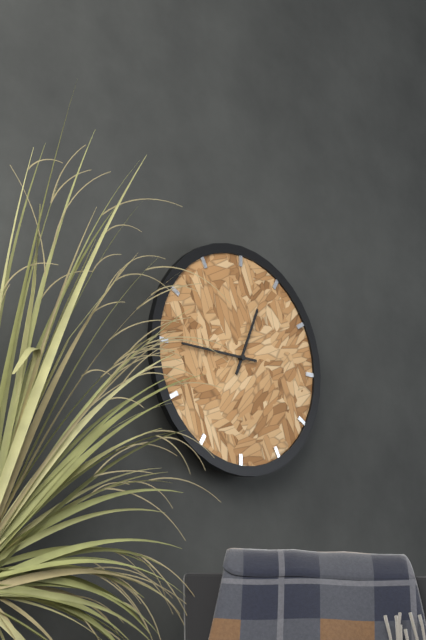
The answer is 12h45
